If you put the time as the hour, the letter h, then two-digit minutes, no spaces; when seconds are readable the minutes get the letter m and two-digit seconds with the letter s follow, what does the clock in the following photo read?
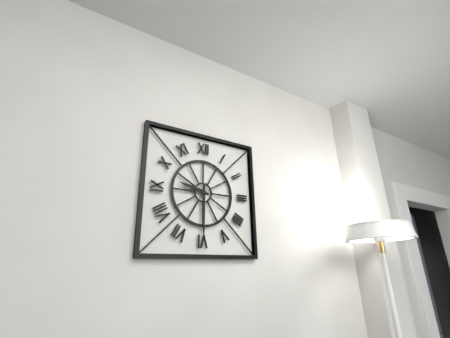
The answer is 9h30
